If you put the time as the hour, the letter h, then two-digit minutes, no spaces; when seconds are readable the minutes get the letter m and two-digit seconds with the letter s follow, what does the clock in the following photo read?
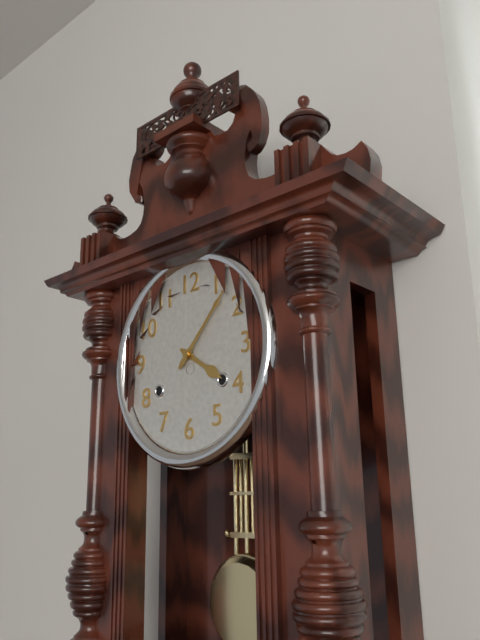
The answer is 4h07
